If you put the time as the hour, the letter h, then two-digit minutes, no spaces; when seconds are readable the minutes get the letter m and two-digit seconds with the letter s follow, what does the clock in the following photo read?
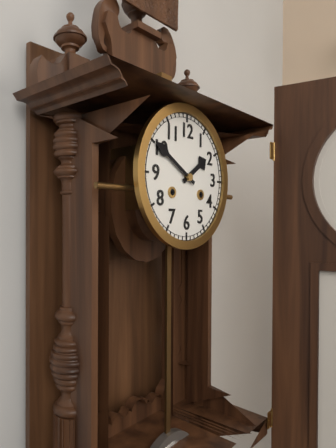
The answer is 1h50
